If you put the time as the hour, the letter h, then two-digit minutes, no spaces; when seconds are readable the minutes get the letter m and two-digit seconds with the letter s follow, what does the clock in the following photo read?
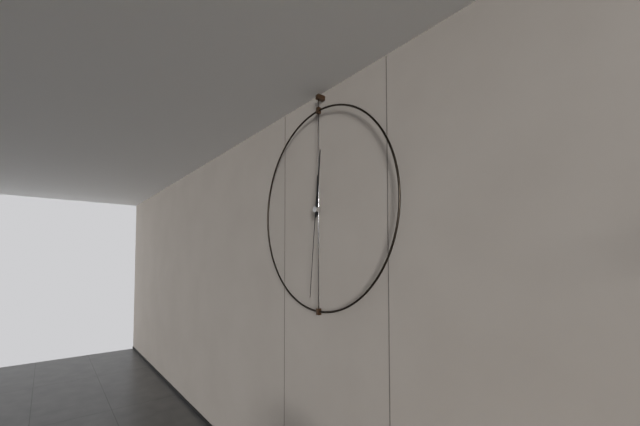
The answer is 12h01m31s
